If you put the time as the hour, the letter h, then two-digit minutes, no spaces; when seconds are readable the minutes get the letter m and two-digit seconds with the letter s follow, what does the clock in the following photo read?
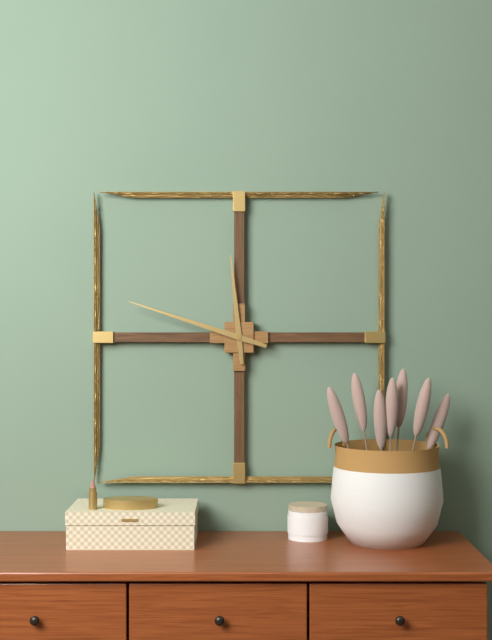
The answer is 11h48
